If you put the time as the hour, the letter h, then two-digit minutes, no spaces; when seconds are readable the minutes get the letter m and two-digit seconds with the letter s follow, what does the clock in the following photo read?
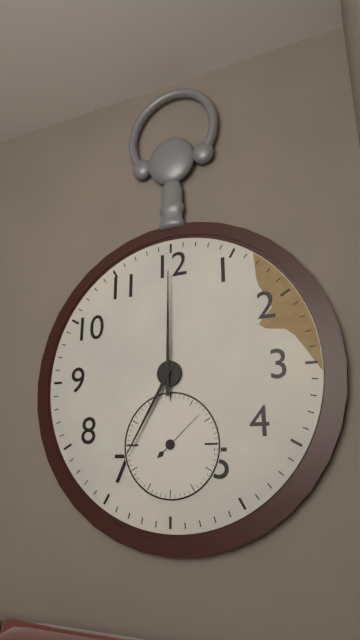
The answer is 7h00m08s
